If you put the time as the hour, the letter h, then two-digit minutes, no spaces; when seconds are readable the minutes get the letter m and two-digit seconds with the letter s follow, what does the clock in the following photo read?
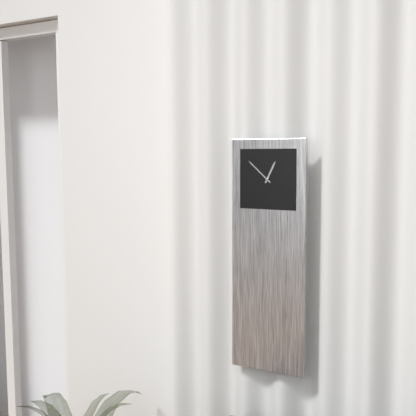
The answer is 12h52
